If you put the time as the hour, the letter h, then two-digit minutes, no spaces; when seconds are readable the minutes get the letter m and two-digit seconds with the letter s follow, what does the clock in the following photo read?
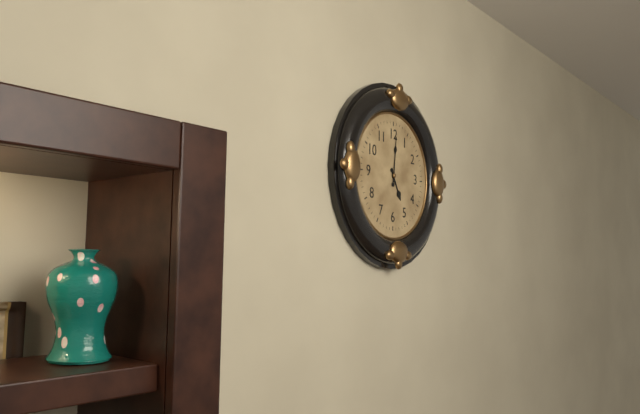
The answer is 5h01
